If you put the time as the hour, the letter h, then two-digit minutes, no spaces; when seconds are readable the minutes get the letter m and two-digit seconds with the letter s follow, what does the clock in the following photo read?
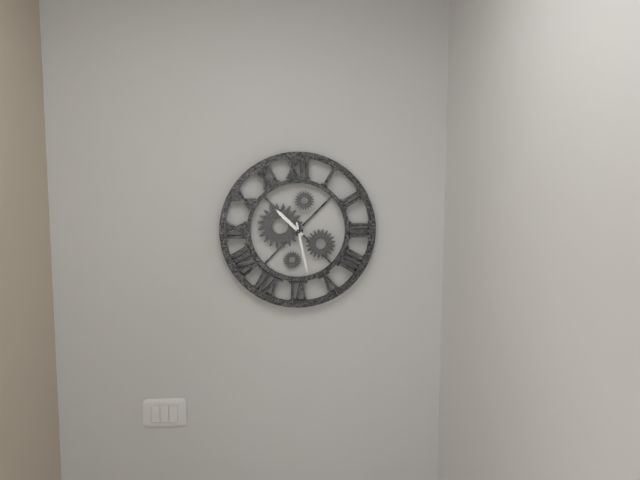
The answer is 10h28
